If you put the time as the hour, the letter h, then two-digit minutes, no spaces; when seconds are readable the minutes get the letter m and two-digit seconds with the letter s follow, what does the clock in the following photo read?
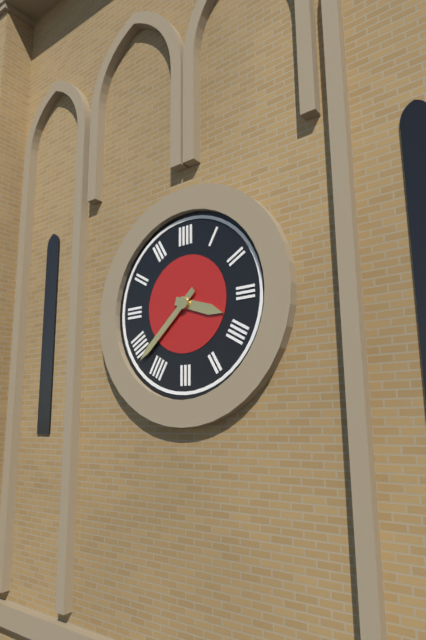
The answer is 3h38
